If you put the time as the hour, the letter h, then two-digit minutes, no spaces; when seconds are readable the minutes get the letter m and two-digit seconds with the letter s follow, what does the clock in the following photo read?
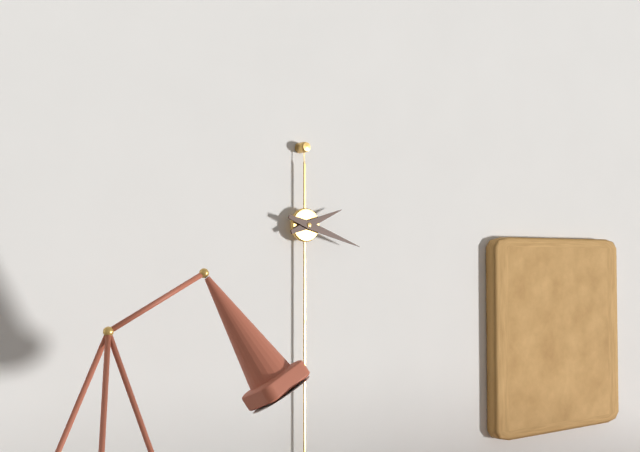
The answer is 2h18
